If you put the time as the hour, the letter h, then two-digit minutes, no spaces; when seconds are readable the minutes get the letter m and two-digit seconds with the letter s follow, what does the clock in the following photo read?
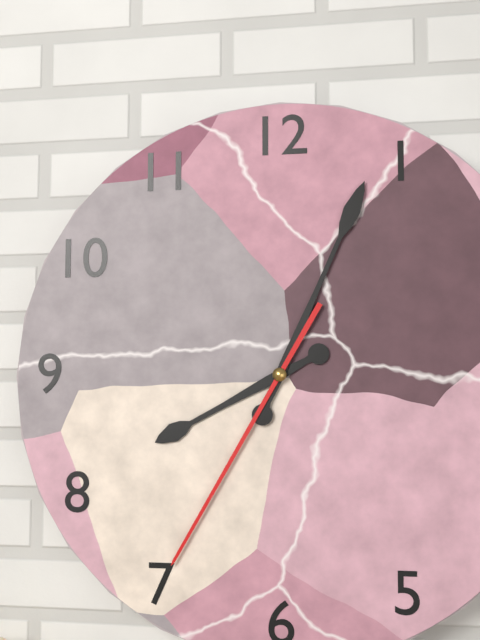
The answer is 8h04m35s
